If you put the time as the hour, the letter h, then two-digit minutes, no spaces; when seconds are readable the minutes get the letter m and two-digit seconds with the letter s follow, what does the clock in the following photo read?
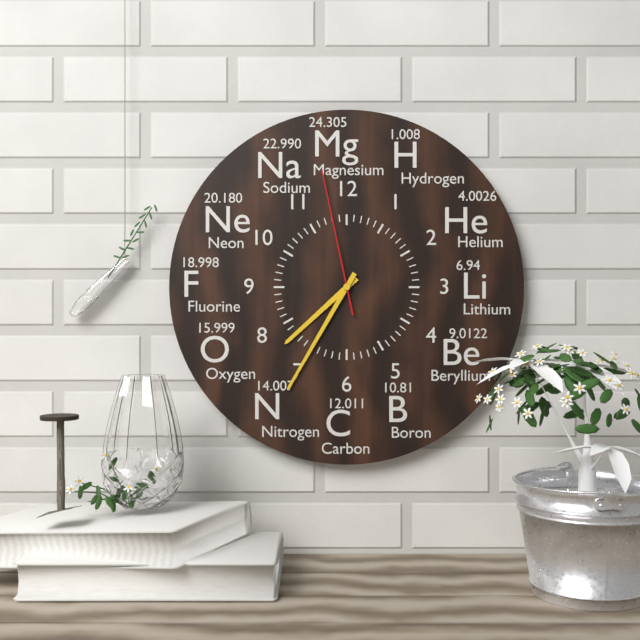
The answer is 7h35m58s
